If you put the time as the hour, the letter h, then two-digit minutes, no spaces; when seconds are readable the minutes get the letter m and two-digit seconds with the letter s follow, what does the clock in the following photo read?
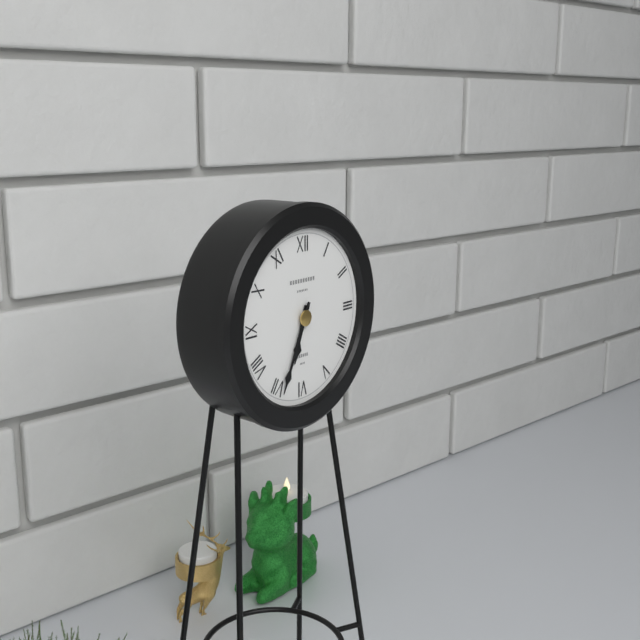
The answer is 6h34
